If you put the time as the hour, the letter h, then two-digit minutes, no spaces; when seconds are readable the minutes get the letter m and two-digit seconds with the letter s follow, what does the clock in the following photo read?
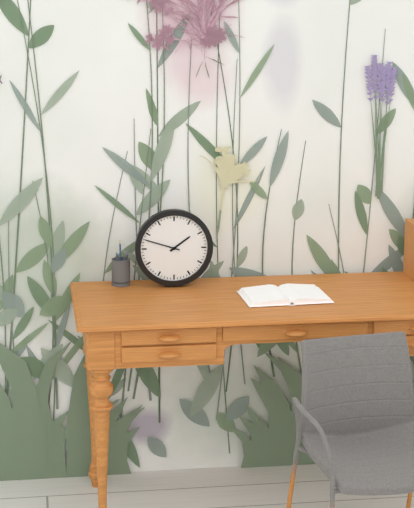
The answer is 1h48
